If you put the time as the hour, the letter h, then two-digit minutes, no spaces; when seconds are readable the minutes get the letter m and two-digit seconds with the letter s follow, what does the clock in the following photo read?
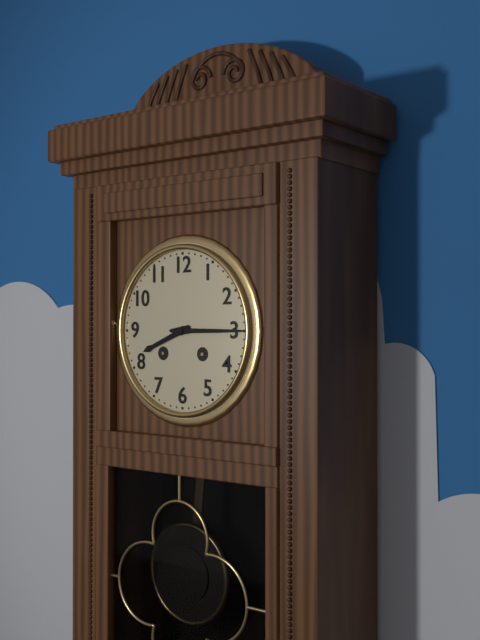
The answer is 8h15
